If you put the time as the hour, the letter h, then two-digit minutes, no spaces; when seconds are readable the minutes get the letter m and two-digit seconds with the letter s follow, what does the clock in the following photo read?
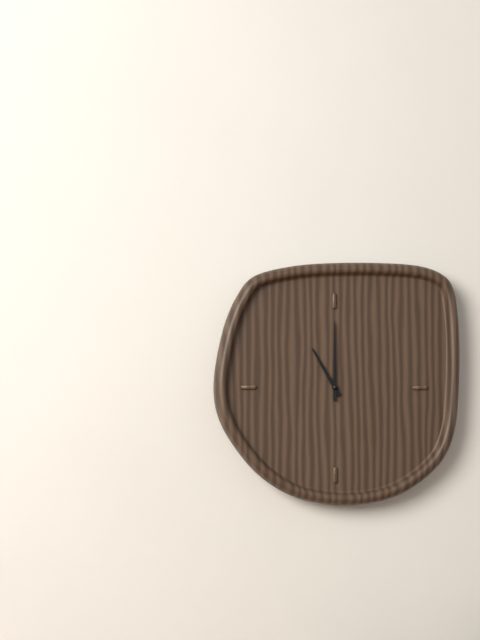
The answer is 11h00
